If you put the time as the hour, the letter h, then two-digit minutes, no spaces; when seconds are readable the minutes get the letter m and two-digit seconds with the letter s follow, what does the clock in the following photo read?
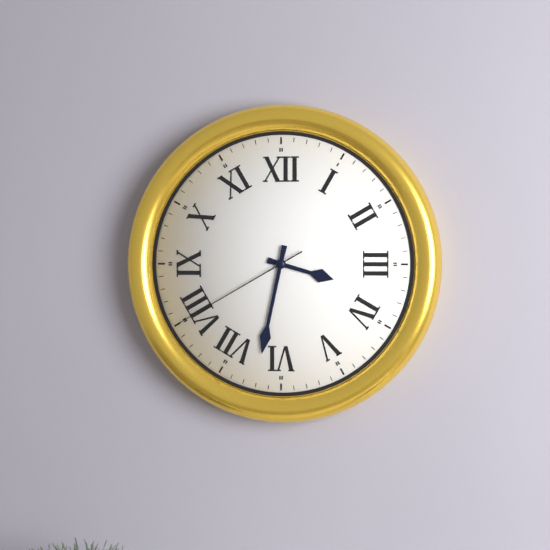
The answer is 3h32m40s
